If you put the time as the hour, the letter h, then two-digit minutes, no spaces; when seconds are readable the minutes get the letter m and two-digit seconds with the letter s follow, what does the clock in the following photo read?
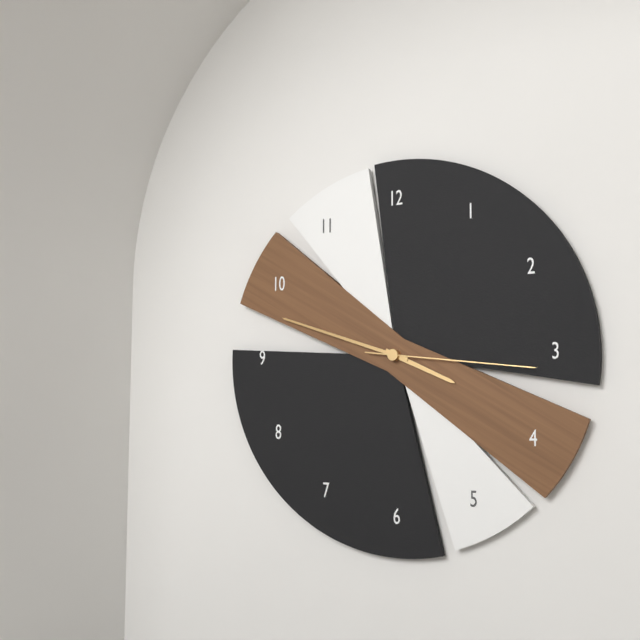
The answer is 3h48m16s
